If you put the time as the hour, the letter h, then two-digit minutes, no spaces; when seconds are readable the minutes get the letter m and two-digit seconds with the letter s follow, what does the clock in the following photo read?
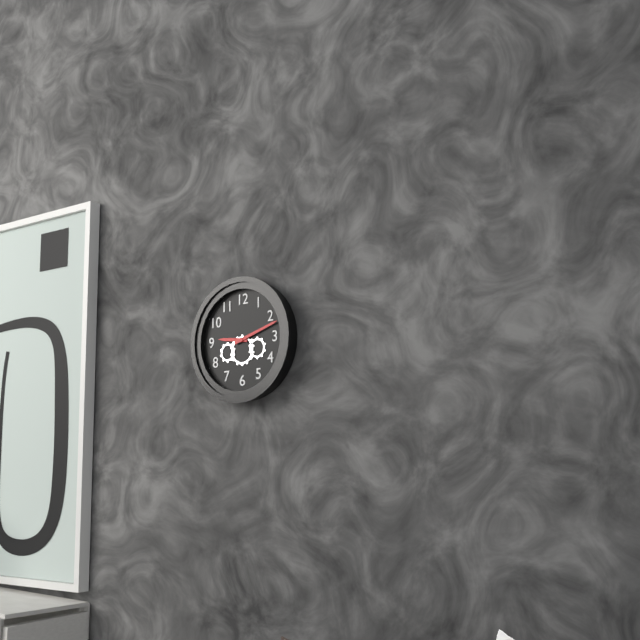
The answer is 9h12
